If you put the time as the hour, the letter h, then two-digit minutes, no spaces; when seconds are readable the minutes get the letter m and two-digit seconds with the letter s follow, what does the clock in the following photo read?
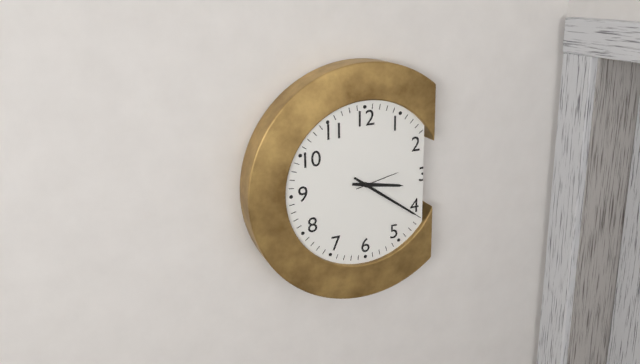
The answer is 3h21
